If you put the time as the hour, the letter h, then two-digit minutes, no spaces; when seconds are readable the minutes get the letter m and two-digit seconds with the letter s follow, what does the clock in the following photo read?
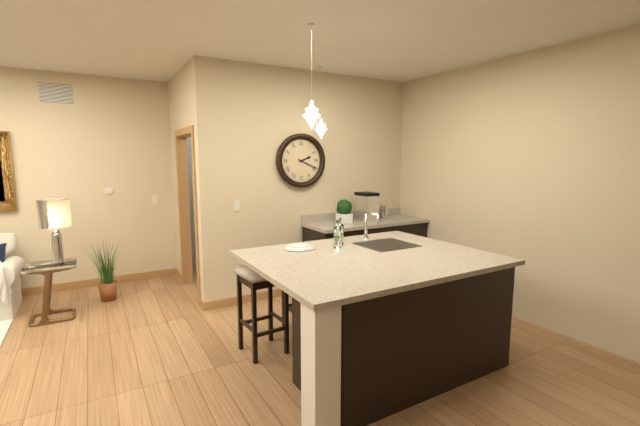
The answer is 2h19
